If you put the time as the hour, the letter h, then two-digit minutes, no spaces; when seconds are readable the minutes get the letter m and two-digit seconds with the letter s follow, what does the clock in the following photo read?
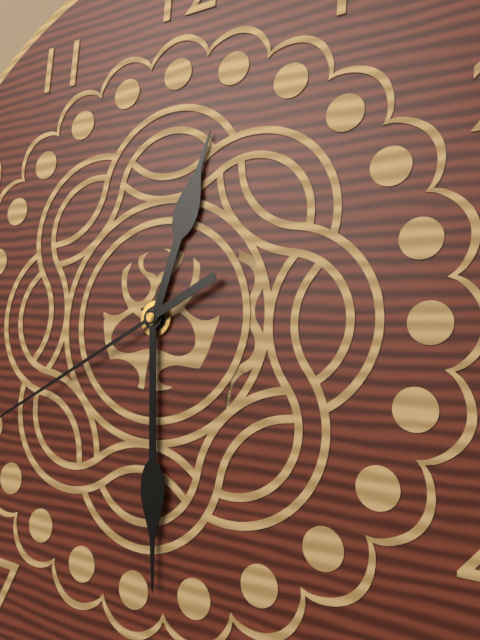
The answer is 12h29
